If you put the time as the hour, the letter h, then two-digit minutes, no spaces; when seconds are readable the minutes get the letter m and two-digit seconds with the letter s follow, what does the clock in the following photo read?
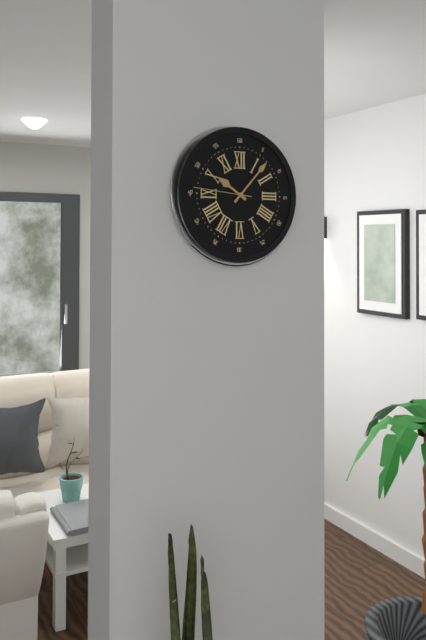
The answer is 10h07m46s
